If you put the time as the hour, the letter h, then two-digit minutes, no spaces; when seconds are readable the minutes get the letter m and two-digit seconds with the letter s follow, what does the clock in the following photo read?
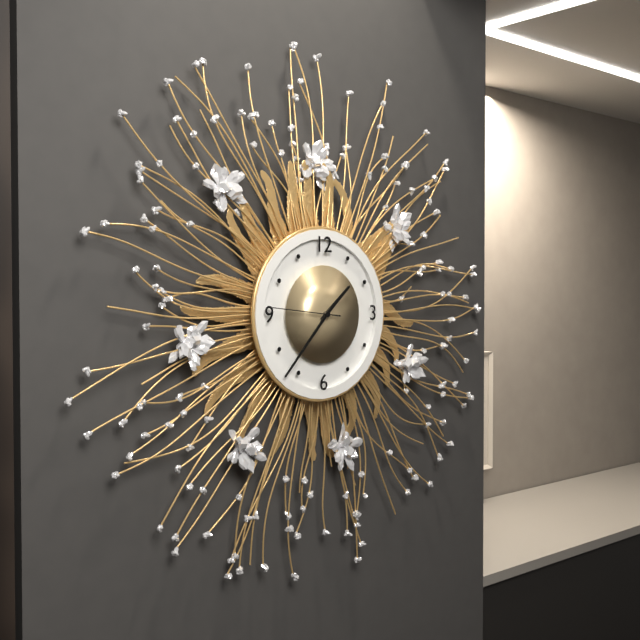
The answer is 1h37m46s
